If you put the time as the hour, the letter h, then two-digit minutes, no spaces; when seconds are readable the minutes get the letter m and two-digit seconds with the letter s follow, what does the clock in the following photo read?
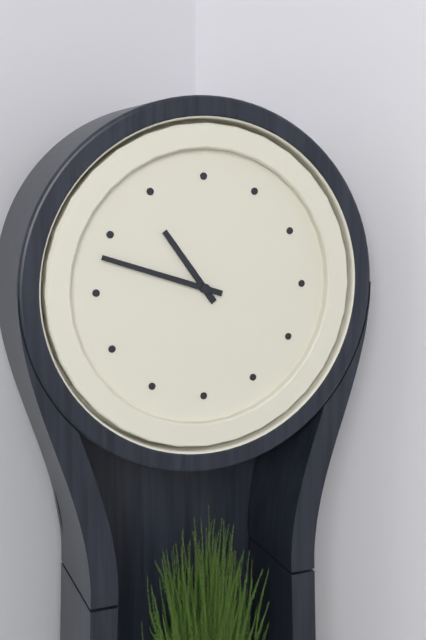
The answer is 10h48
